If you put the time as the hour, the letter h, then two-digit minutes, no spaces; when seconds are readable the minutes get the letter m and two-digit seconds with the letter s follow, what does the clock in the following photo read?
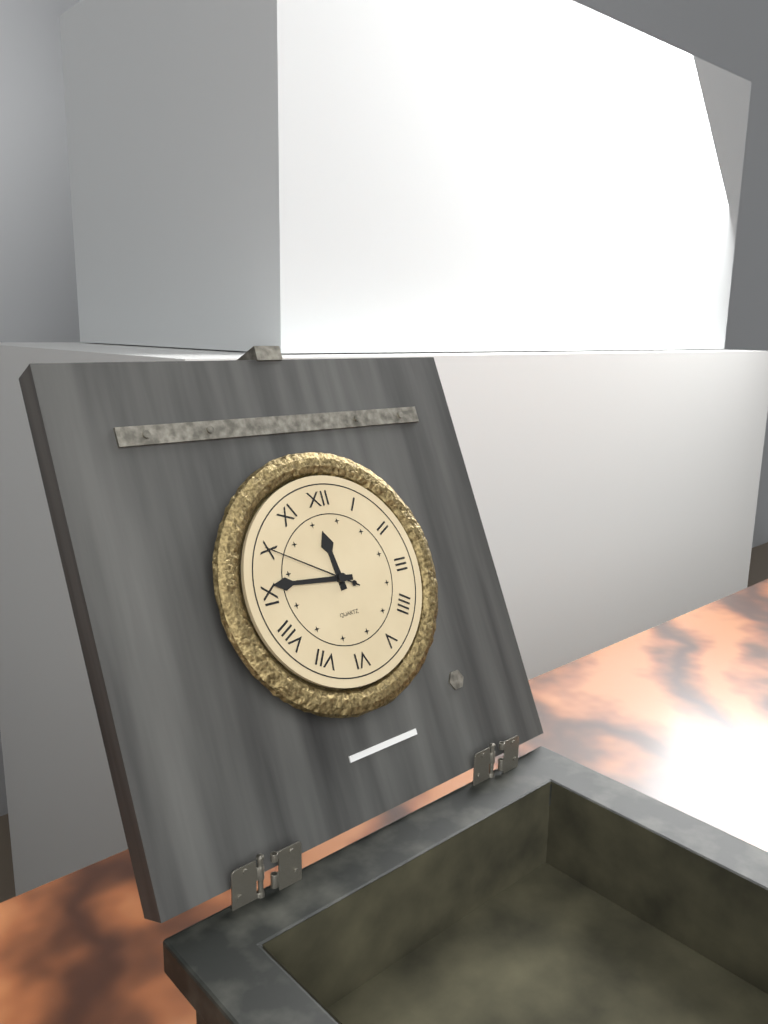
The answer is 11h46m50s
